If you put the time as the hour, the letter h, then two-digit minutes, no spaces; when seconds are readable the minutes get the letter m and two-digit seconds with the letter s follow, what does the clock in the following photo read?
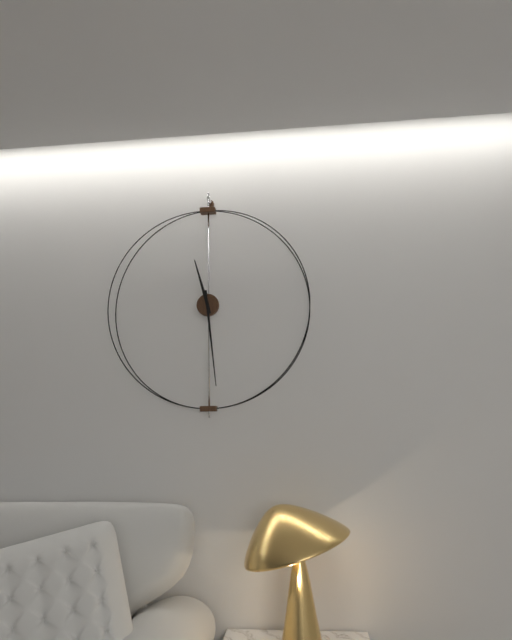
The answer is 11h29
